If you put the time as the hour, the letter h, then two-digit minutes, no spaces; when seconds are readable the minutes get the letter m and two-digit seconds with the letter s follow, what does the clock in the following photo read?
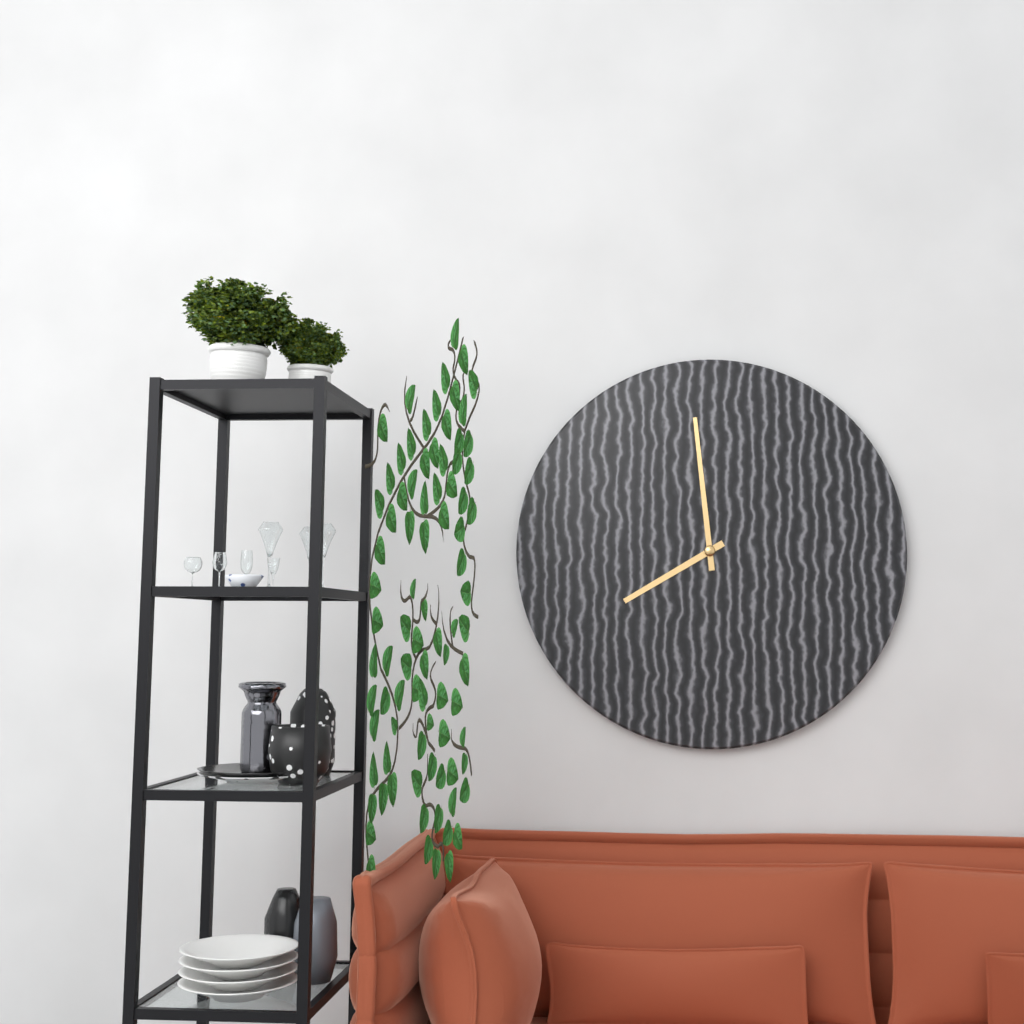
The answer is 7h59
